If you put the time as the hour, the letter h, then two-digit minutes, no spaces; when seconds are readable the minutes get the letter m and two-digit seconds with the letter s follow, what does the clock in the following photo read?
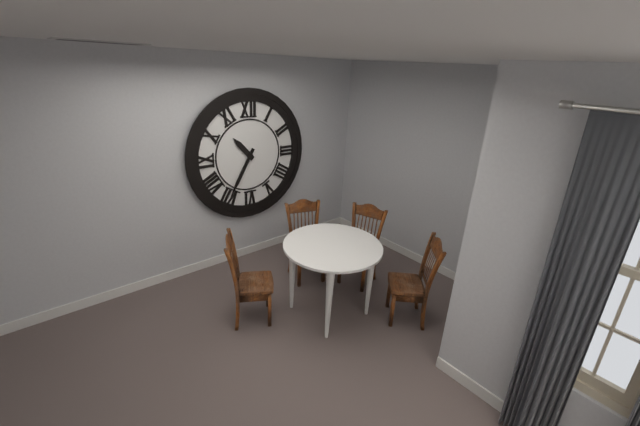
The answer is 10h35
